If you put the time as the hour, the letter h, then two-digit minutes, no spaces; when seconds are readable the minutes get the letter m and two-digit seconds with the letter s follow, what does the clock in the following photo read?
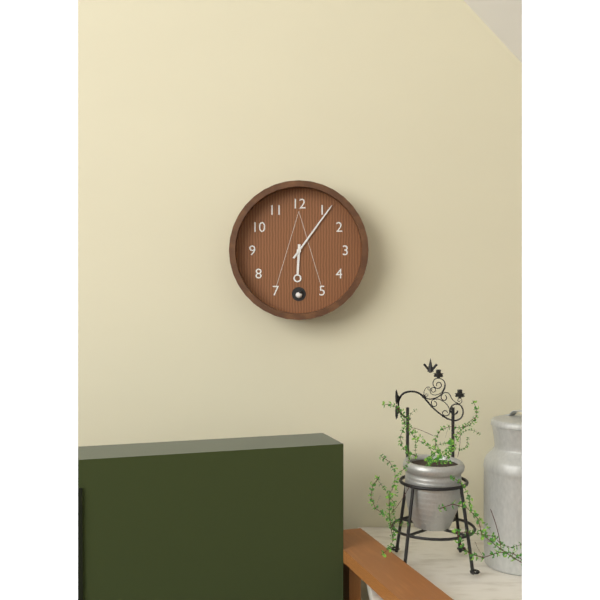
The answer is 6h06
